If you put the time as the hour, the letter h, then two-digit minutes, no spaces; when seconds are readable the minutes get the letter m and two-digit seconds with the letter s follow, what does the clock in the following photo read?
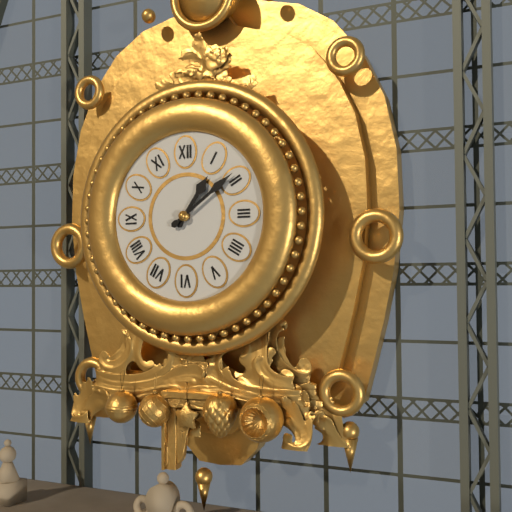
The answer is 1h09
